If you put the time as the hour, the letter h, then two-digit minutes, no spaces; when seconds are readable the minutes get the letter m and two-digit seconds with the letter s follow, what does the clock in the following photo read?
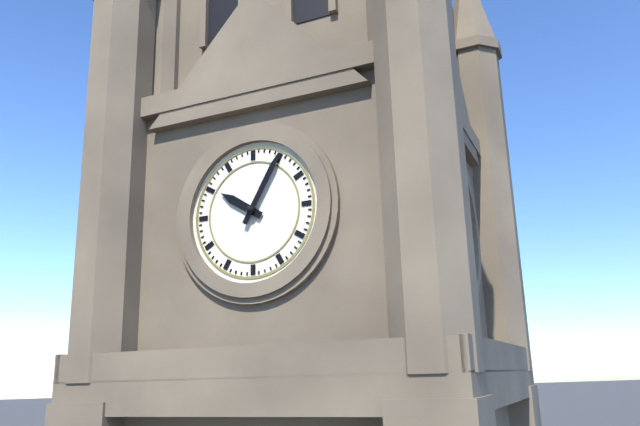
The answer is 10h05
